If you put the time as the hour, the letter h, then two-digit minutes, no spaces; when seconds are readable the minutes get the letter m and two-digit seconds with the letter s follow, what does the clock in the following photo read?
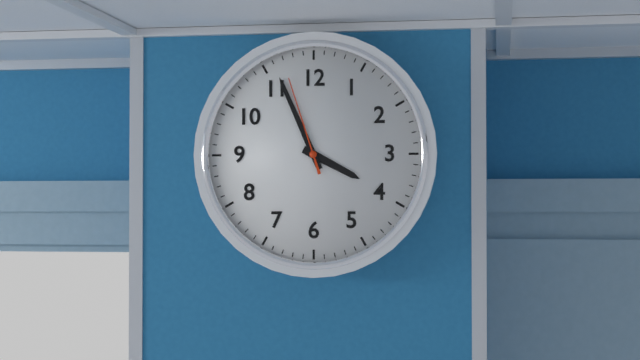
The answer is 3h56m57s
